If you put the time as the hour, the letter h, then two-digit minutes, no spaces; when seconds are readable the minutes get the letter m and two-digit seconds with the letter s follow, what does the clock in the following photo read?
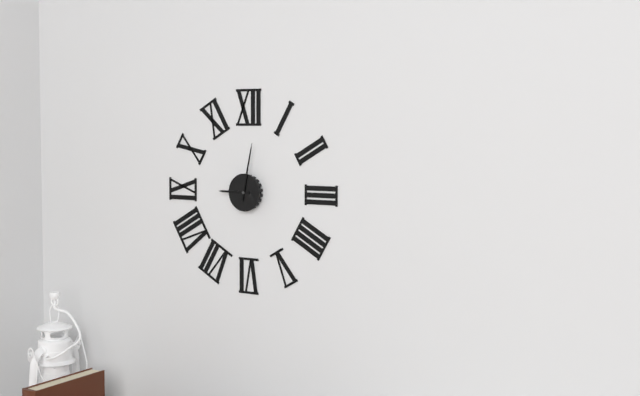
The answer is 9h02
